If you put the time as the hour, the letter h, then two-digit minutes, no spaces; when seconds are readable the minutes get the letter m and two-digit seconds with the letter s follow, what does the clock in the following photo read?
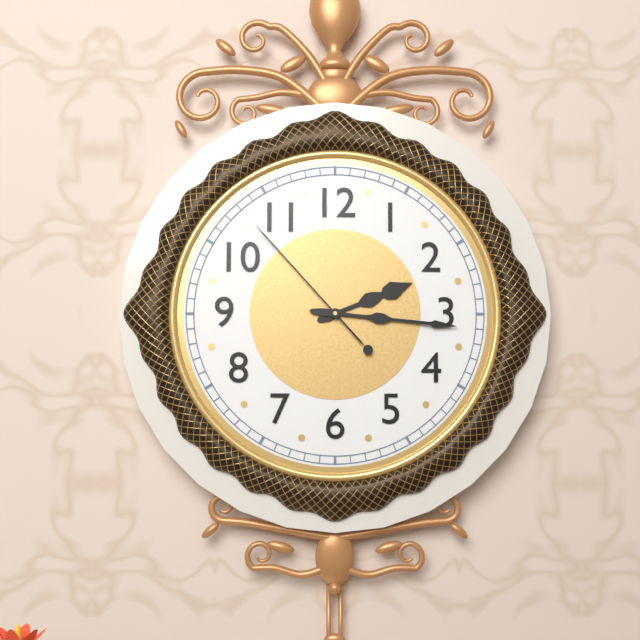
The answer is 2h16m53s
